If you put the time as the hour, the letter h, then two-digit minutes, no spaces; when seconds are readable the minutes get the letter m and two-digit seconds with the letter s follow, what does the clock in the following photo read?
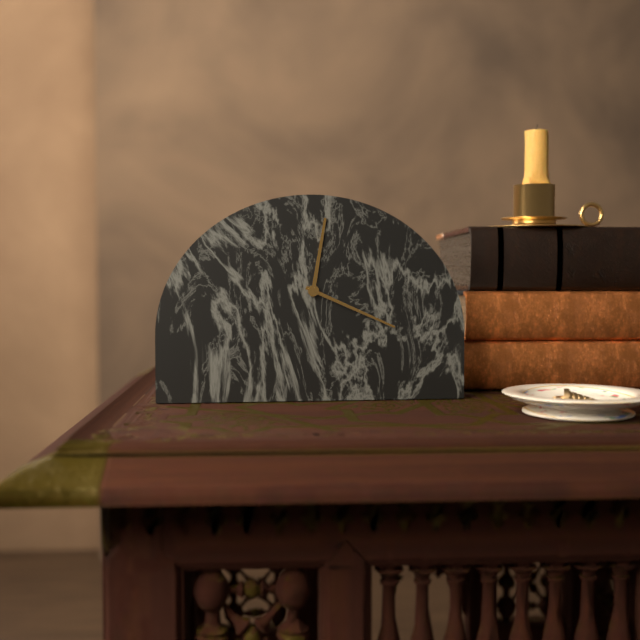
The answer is 12h19
